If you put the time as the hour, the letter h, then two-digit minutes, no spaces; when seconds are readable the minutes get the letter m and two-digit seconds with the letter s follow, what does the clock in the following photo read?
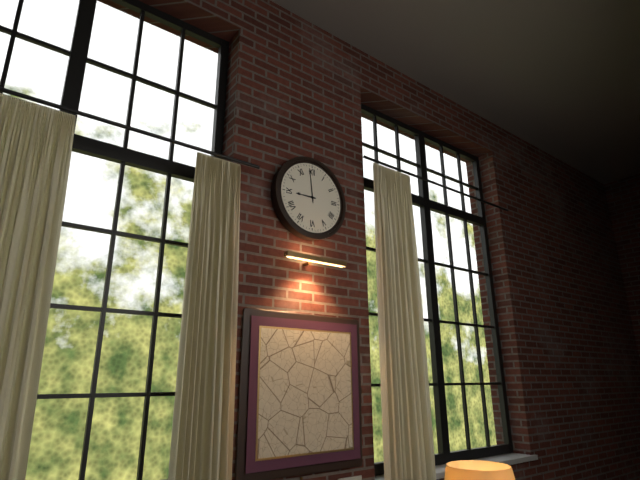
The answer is 8h59
